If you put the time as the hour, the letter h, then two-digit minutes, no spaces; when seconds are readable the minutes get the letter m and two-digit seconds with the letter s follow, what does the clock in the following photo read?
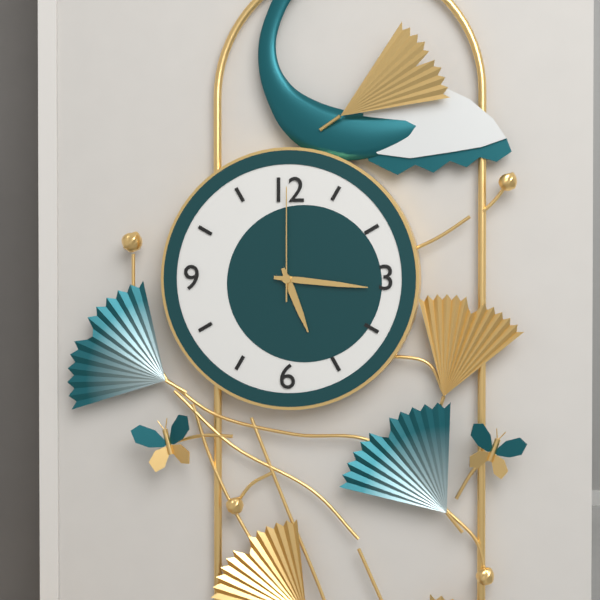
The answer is 5h16m00s
